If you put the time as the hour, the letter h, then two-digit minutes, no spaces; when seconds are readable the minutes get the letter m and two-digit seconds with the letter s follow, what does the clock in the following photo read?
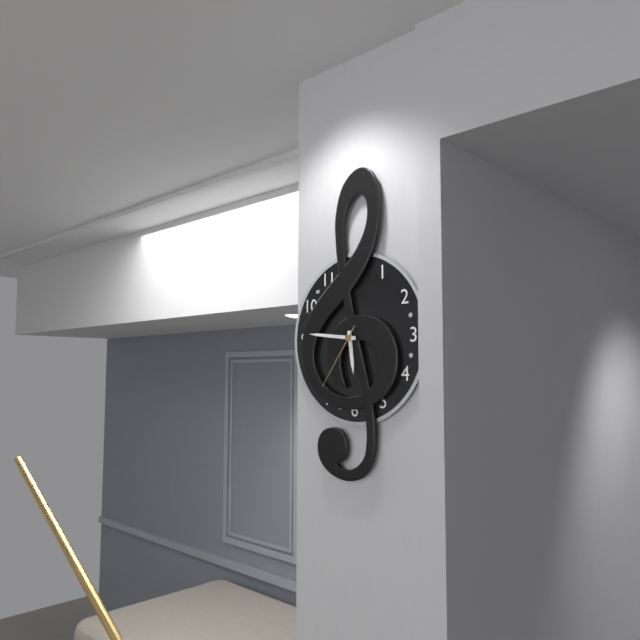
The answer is 5h46m36s
